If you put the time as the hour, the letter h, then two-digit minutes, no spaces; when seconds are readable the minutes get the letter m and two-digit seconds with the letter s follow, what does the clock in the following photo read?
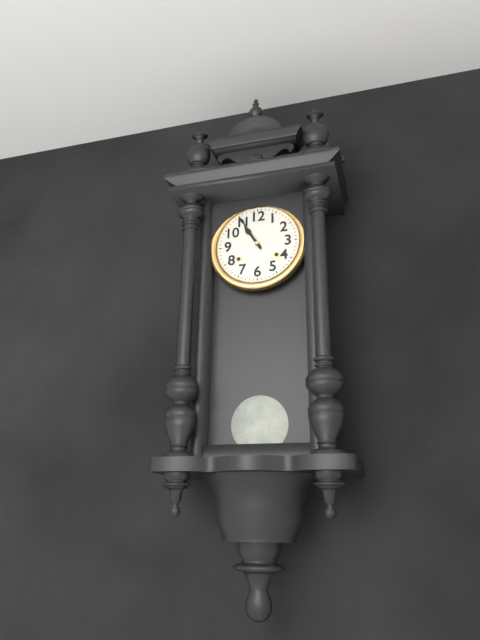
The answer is 10h55
